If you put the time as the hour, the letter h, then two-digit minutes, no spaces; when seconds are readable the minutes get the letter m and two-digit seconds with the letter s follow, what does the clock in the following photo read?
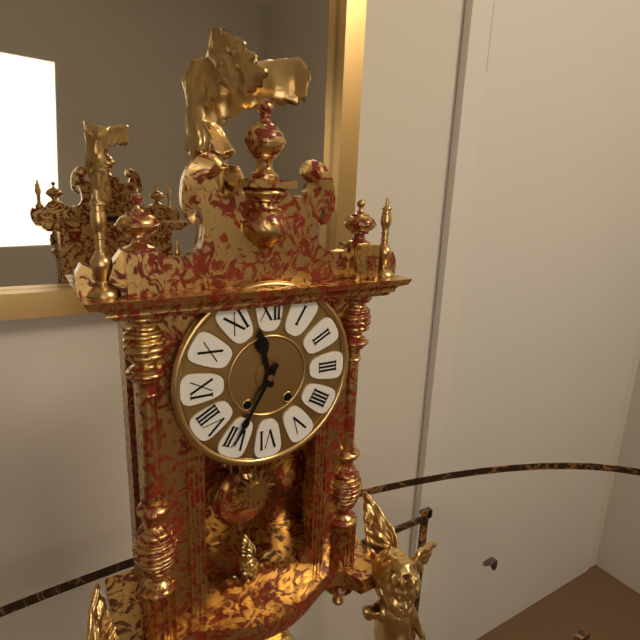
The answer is 11h35
